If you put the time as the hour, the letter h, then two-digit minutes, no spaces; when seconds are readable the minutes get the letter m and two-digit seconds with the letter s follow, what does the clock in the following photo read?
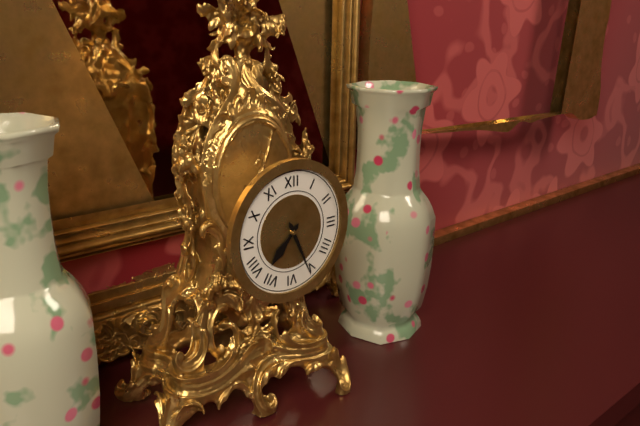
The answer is 7h26
